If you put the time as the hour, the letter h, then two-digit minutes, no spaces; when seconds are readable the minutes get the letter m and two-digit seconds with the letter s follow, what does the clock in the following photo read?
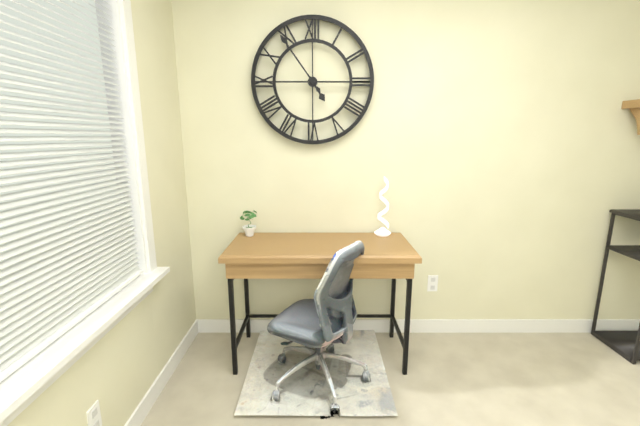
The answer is 4h54
